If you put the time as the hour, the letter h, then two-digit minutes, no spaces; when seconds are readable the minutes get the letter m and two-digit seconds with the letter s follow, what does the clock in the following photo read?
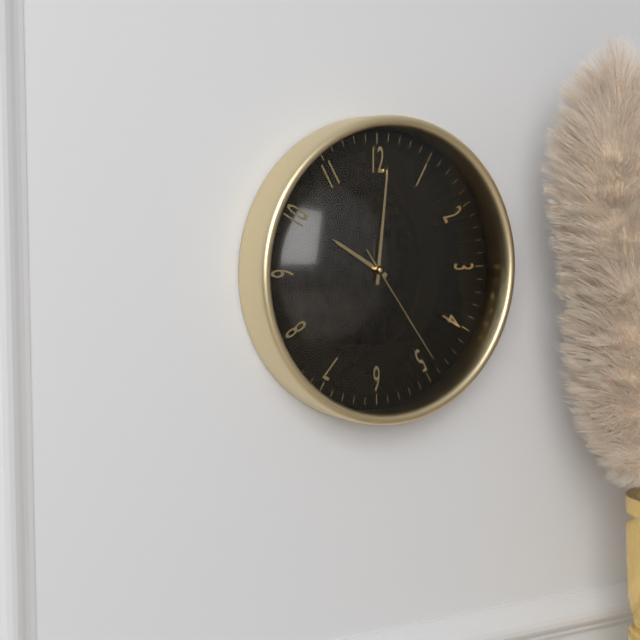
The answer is 10h01m24s
